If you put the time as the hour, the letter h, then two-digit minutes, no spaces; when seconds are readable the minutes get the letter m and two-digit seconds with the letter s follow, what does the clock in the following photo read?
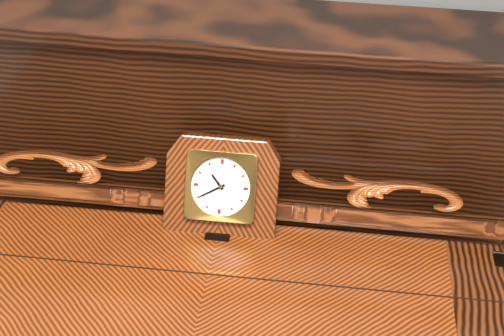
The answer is 10h40
